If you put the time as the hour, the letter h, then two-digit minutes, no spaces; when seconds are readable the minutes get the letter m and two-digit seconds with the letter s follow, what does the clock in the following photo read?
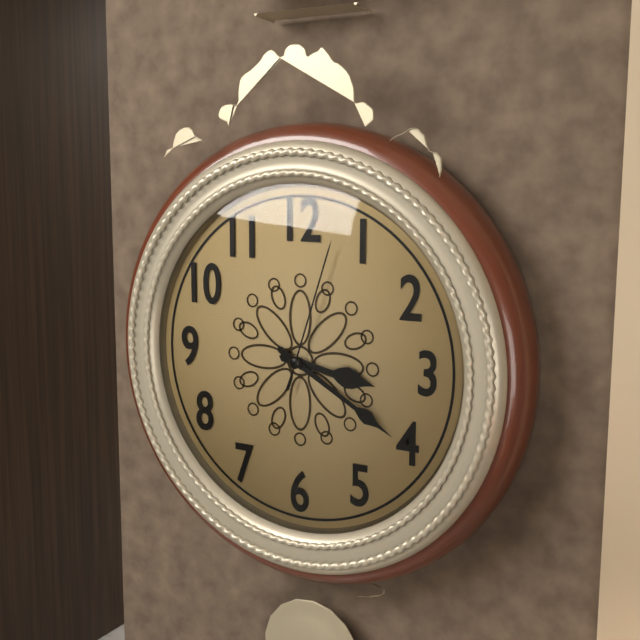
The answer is 3h20m03s
